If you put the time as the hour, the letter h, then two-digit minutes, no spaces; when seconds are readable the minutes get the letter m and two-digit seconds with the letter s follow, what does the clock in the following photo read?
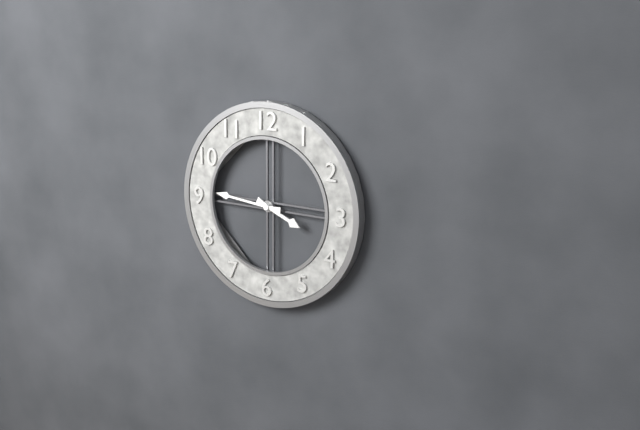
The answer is 3h46
